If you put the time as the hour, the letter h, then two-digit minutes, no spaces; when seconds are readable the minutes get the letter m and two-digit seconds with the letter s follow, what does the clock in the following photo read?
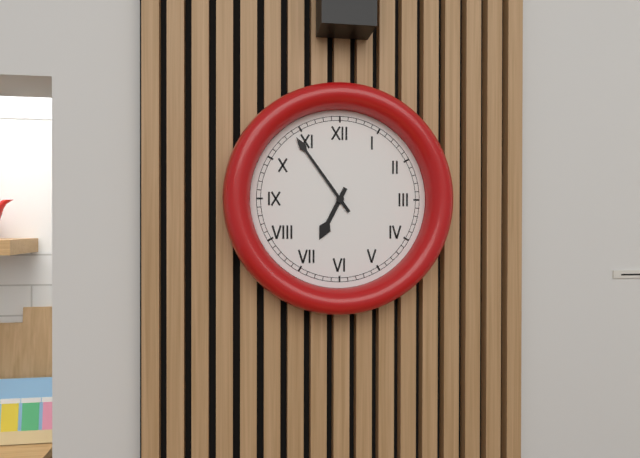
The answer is 6h54
